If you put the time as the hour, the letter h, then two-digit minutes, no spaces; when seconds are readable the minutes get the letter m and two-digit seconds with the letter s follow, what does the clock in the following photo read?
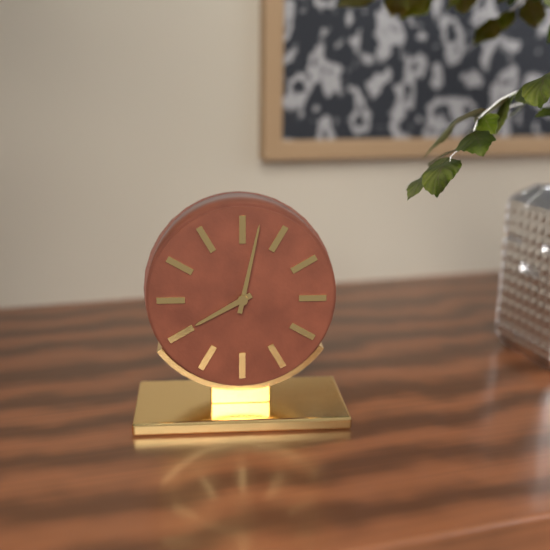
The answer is 8h02
